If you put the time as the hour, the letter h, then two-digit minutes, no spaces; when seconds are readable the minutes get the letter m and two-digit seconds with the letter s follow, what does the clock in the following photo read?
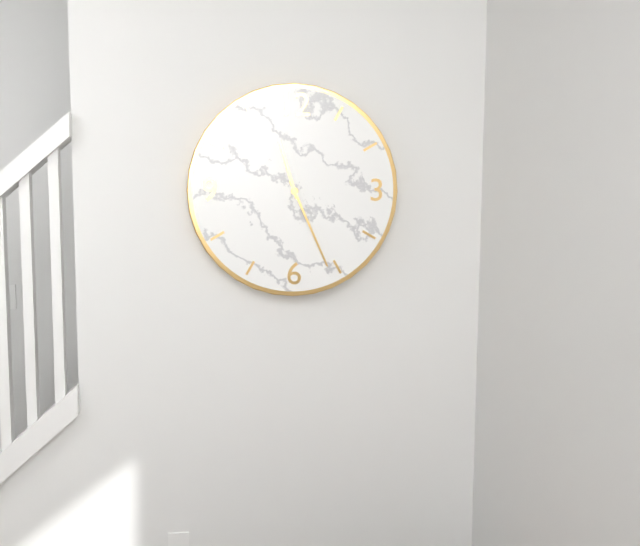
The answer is 11h26
